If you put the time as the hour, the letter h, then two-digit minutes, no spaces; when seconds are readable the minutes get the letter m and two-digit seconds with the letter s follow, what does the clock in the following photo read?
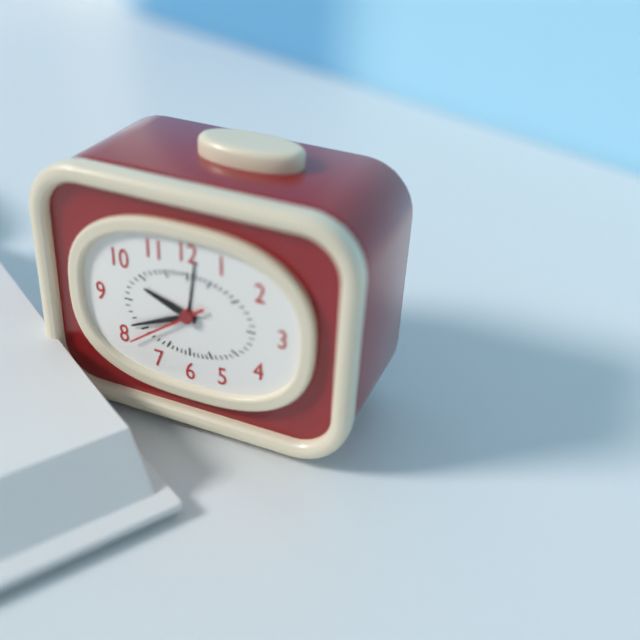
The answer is 9h41m39s
